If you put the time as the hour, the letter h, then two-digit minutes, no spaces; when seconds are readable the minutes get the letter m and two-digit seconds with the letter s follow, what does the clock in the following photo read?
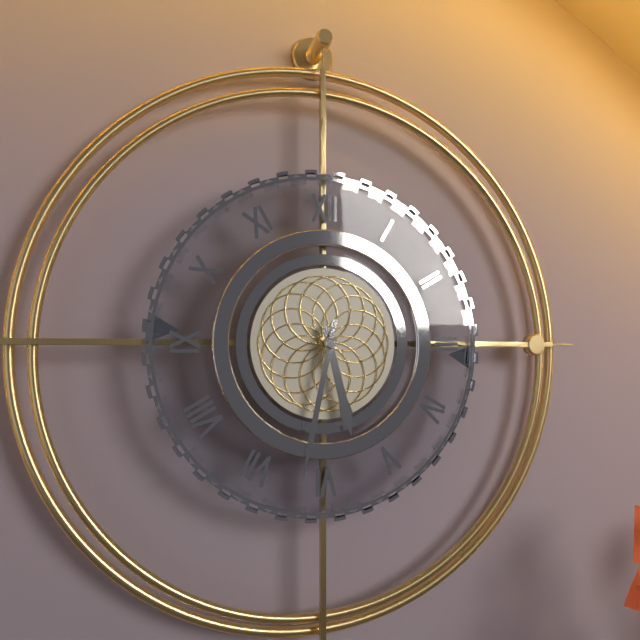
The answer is 5h32
